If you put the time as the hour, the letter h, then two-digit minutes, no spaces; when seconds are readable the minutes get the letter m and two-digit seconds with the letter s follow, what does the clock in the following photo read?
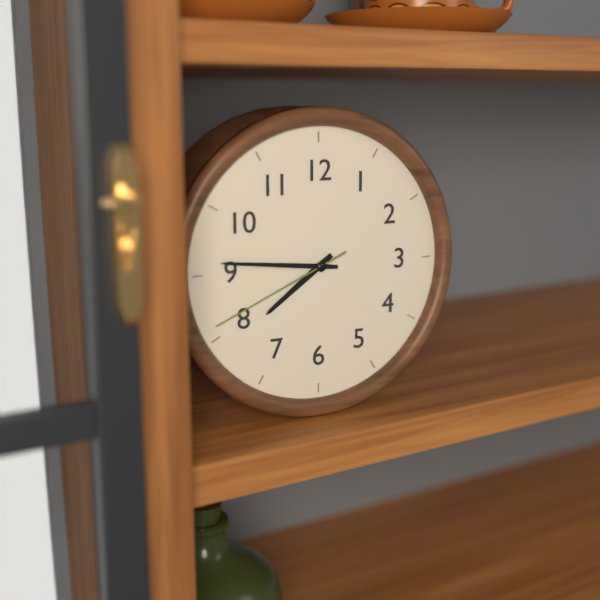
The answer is 7h46m41s
